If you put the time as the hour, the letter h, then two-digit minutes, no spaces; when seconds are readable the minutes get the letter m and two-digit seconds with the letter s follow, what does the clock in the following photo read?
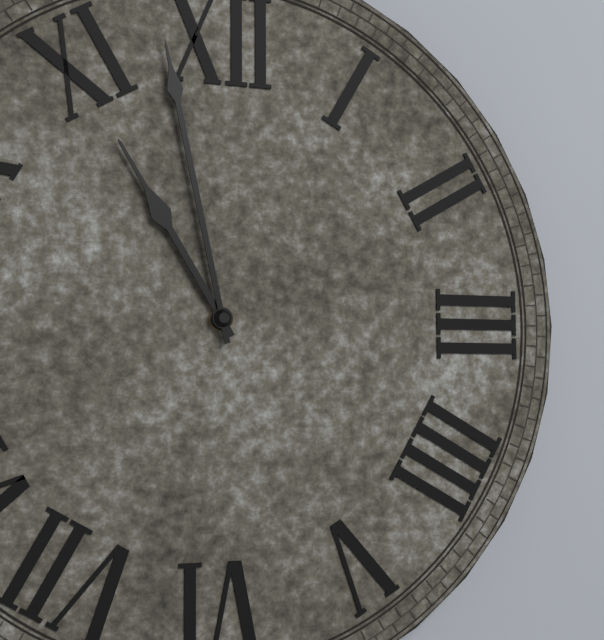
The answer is 10h58
